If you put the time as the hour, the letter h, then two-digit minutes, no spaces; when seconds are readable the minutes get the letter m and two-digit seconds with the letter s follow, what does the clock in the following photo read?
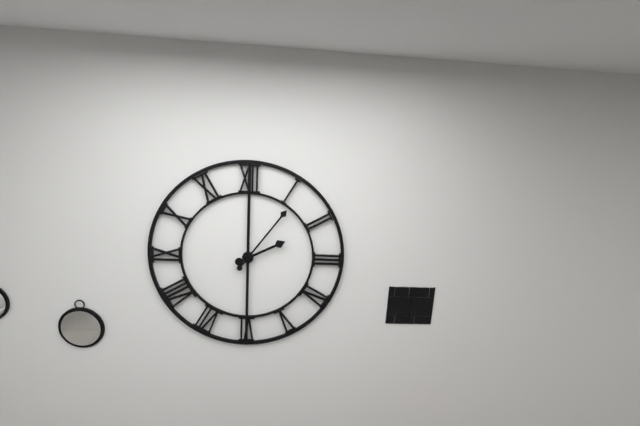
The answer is 2h06
